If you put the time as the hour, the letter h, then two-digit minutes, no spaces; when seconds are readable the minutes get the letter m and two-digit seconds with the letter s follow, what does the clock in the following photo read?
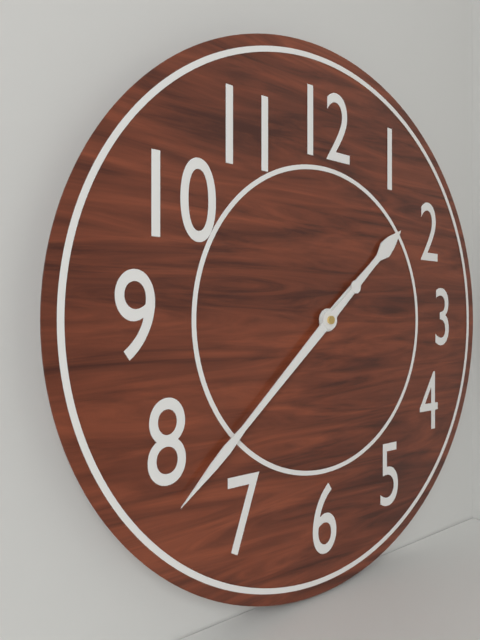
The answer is 1h38
